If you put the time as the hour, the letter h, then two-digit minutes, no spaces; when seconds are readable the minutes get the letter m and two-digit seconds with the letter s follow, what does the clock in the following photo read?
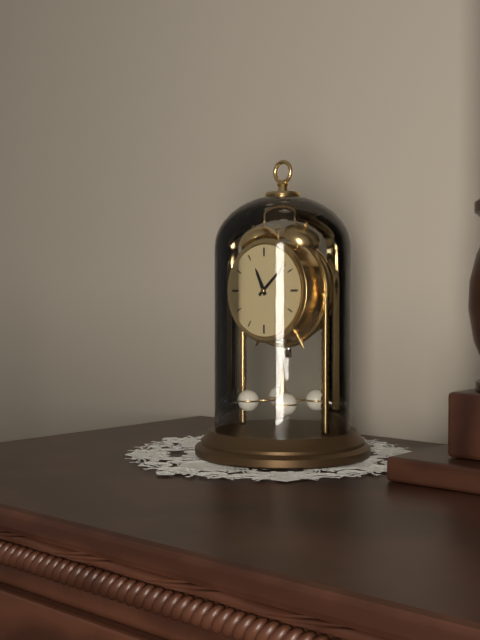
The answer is 11h08
